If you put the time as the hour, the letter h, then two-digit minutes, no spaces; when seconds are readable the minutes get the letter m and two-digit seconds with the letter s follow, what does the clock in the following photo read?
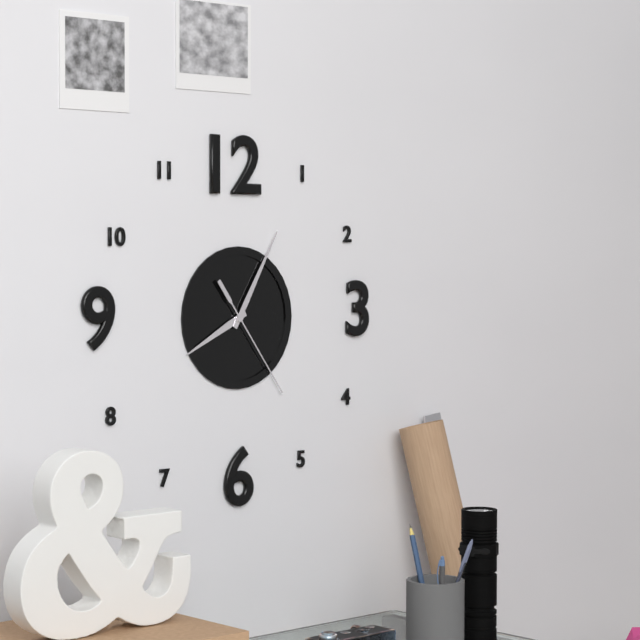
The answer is 8h05m24s
